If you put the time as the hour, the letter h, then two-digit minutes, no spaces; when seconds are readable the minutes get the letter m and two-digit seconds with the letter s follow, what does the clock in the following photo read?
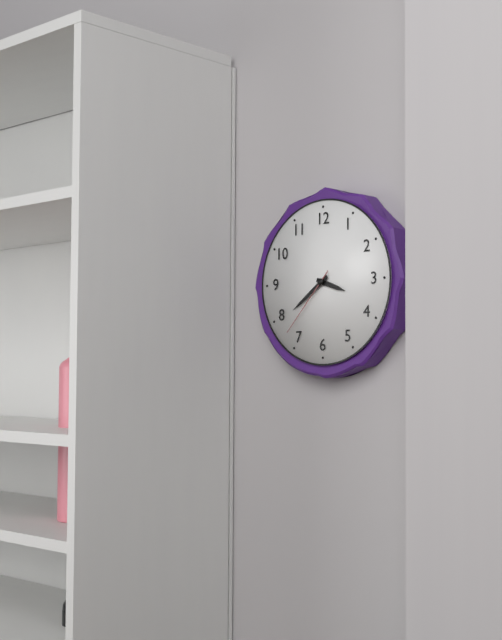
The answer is 3h39m37s
